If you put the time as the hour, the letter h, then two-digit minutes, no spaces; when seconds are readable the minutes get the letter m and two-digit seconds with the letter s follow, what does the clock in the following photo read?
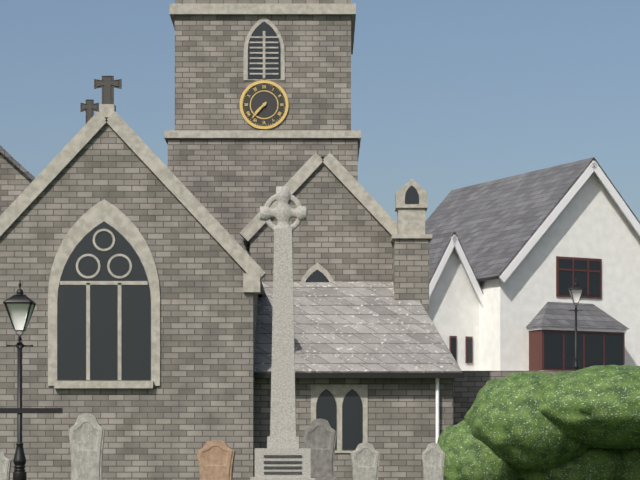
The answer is 7h37
